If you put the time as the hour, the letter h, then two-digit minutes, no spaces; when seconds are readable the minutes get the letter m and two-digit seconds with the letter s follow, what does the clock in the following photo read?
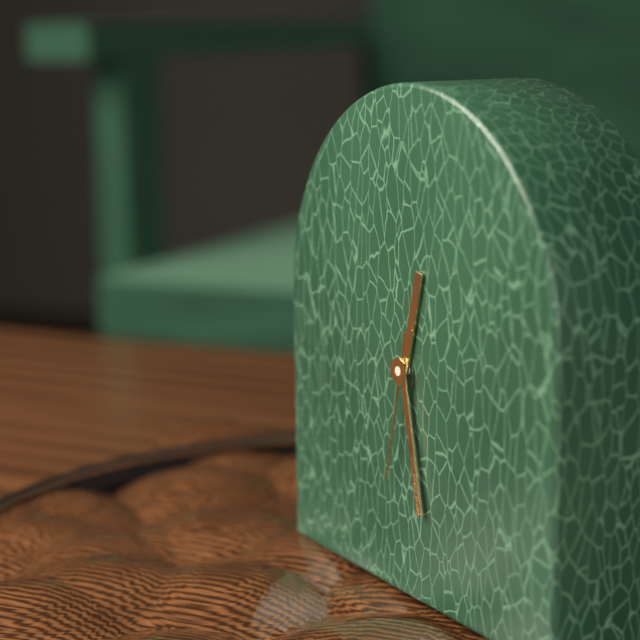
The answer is 12h28m32s
